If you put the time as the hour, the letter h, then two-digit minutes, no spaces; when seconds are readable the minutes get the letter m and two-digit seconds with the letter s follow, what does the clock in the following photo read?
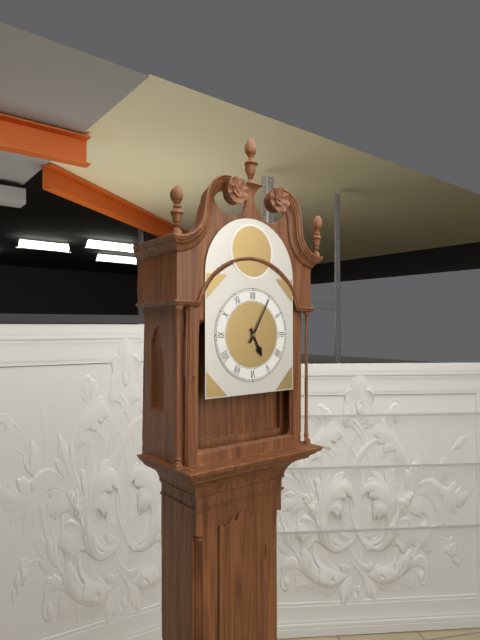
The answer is 5h05
